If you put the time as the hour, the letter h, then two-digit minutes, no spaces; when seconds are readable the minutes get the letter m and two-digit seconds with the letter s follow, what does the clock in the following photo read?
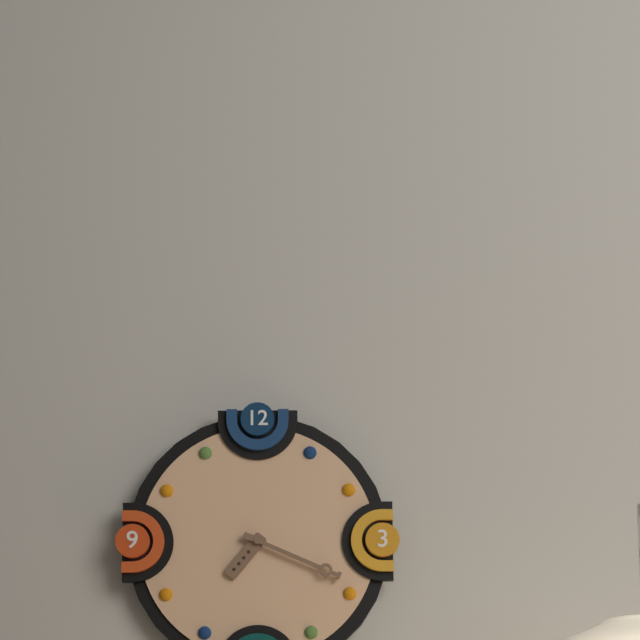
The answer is 7h19
